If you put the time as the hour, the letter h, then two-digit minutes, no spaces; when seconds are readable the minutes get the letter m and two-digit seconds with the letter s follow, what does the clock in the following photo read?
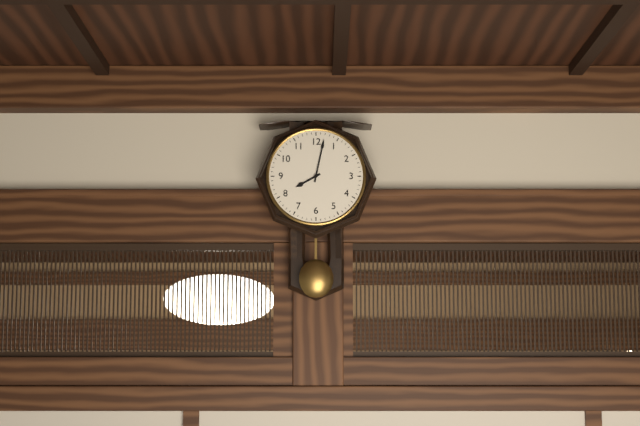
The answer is 8h02
